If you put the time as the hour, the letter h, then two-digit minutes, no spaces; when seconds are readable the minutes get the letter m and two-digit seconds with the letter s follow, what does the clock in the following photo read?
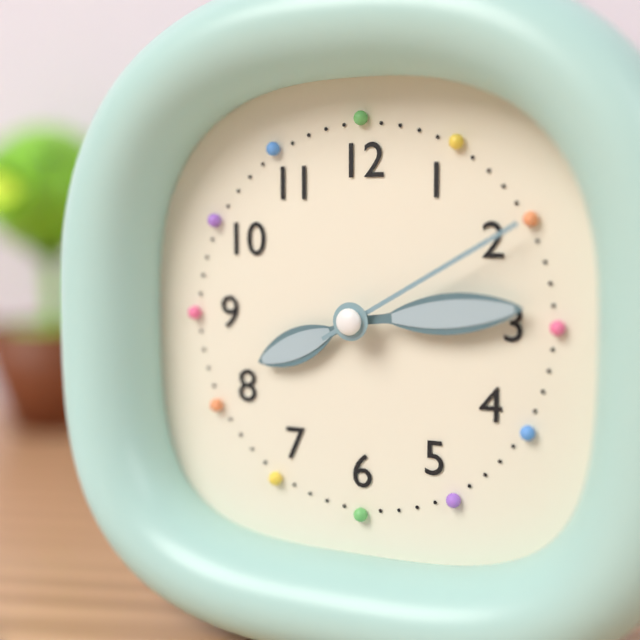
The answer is 8h14m10s
